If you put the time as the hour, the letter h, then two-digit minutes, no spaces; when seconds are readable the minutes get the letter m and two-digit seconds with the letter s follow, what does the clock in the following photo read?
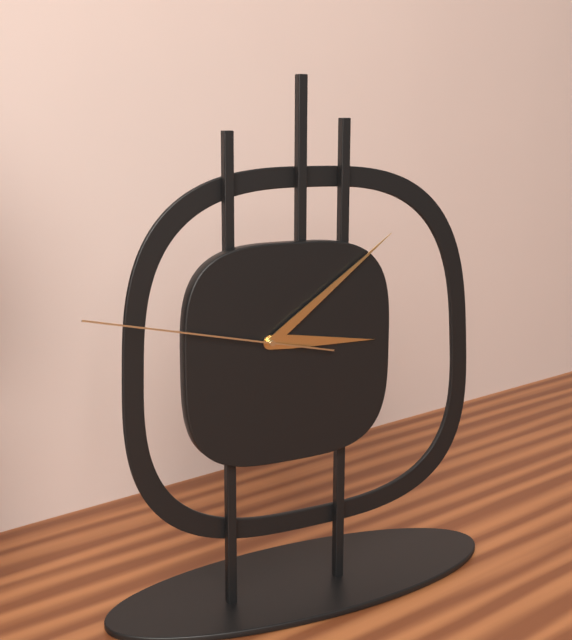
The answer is 3h09m47s
